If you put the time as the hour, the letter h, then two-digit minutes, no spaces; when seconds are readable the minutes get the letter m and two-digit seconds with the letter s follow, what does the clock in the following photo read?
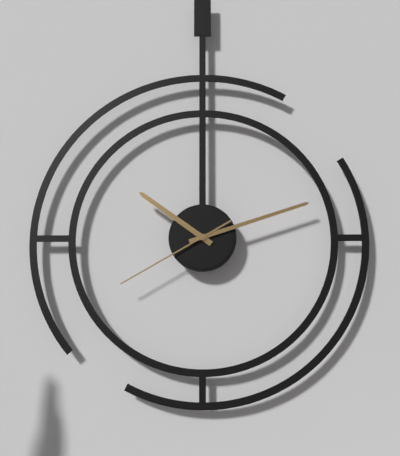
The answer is 10h12m40s
